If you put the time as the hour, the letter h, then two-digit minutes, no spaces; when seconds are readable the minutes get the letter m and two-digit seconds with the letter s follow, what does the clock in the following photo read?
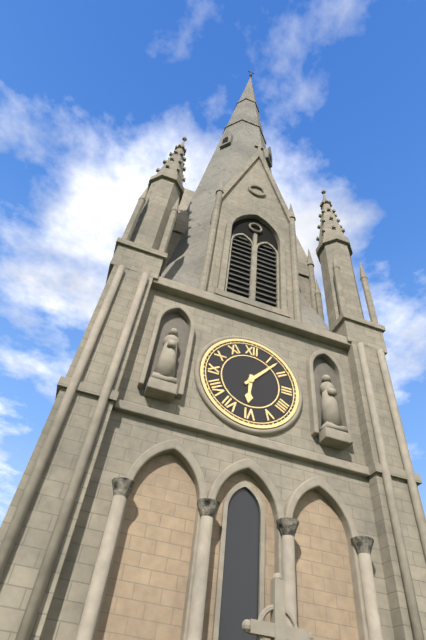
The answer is 6h07
